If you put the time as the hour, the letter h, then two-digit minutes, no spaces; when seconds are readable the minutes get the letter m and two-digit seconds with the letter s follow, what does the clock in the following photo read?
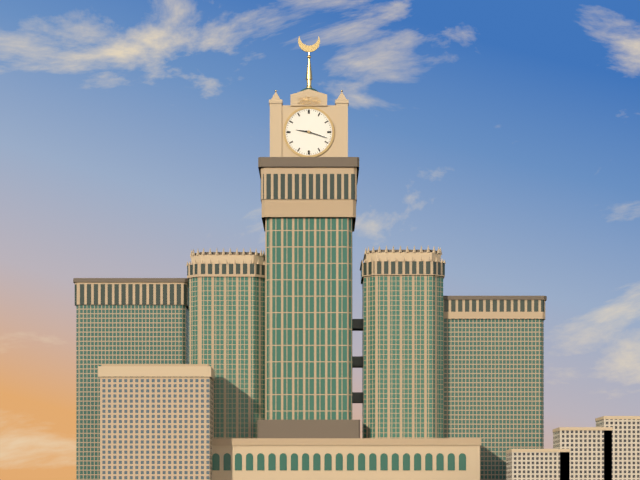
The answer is 9h18
